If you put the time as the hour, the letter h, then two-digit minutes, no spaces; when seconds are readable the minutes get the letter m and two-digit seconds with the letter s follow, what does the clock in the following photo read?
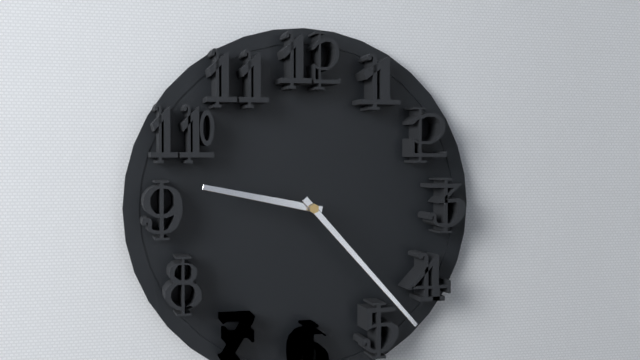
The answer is 9h23
